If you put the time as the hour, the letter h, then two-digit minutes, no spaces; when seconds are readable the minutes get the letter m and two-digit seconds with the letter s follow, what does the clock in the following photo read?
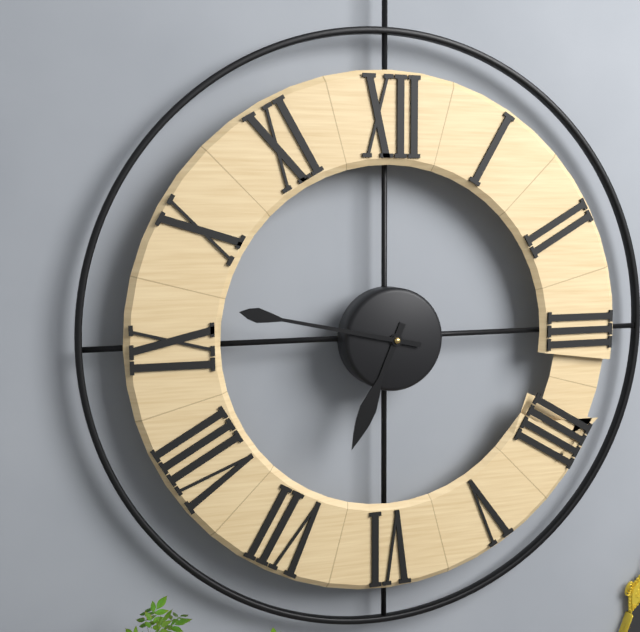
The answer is 6h47
